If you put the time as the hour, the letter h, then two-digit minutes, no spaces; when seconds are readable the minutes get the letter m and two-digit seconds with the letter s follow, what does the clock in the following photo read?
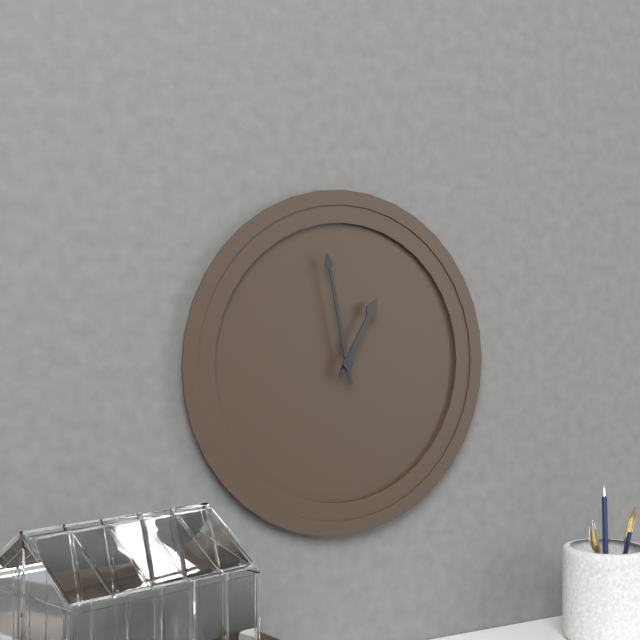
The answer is 12h58
